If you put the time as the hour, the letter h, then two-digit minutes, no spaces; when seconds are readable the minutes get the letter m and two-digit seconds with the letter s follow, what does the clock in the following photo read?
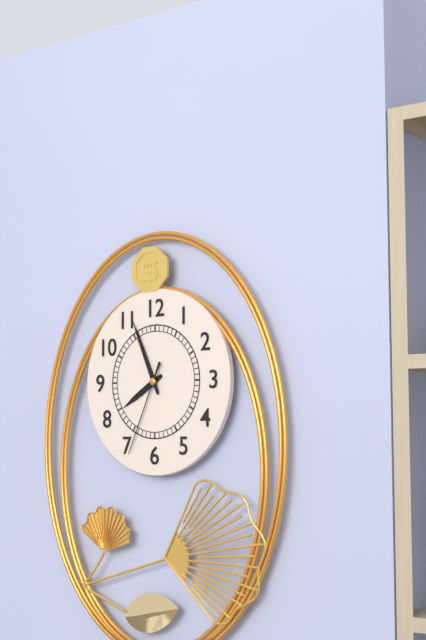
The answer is 7h56m34s
